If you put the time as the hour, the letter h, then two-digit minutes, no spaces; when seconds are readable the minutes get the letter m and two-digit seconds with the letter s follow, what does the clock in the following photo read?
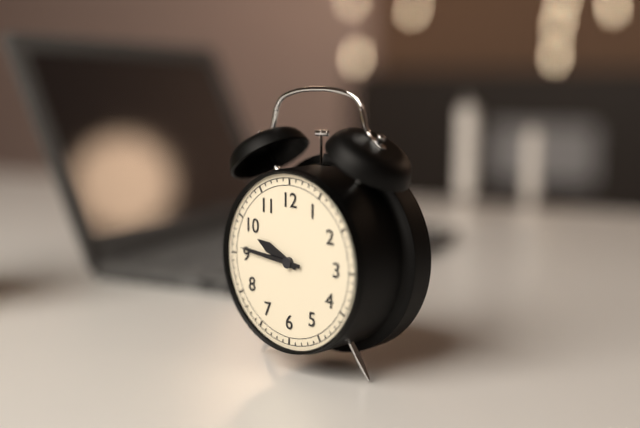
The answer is 9h46
